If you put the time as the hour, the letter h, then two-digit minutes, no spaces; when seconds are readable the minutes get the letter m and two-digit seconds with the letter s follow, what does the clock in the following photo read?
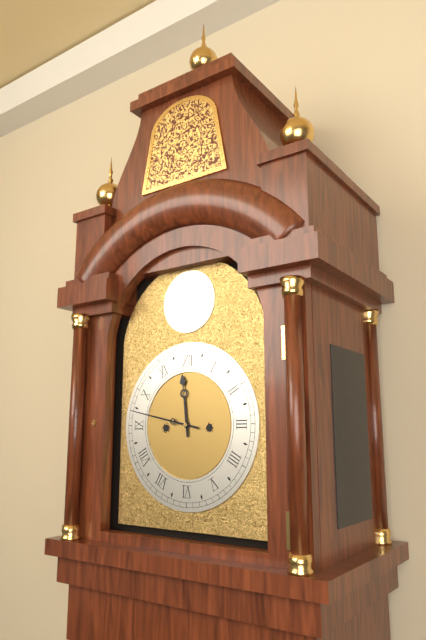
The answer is 11h47
